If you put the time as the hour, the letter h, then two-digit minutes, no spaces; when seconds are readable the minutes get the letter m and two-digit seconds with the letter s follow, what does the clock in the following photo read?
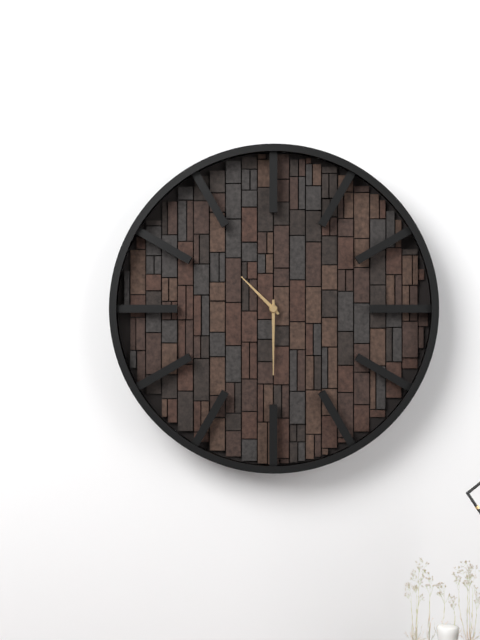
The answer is 10h30
